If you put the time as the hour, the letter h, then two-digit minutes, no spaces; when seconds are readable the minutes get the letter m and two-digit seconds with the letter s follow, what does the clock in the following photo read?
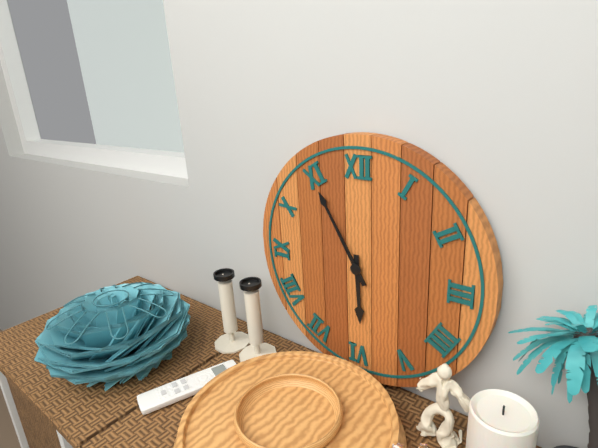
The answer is 5h55
